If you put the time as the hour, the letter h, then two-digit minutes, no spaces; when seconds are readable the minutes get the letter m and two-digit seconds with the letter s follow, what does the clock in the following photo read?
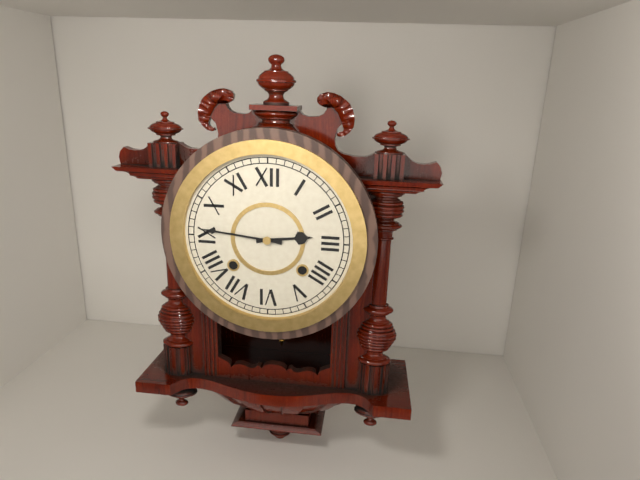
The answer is 2h46
